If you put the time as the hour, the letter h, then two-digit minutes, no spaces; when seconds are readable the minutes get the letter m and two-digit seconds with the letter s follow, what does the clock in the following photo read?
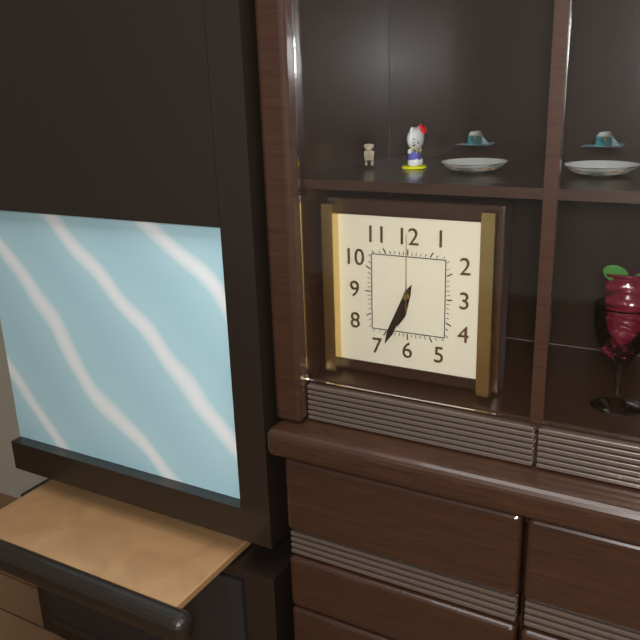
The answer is 6h34m00s
